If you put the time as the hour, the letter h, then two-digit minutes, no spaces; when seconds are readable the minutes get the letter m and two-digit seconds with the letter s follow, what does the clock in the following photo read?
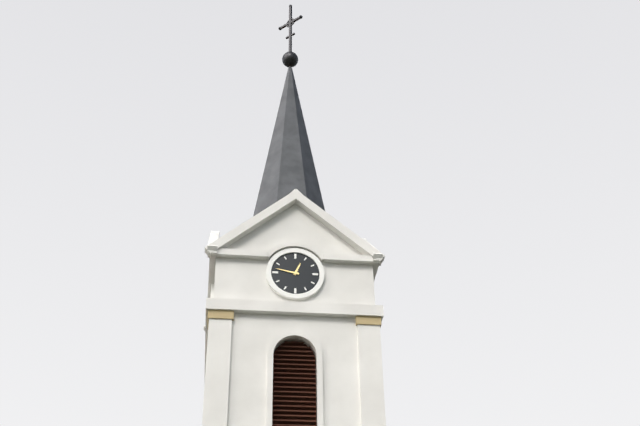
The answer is 12h47
